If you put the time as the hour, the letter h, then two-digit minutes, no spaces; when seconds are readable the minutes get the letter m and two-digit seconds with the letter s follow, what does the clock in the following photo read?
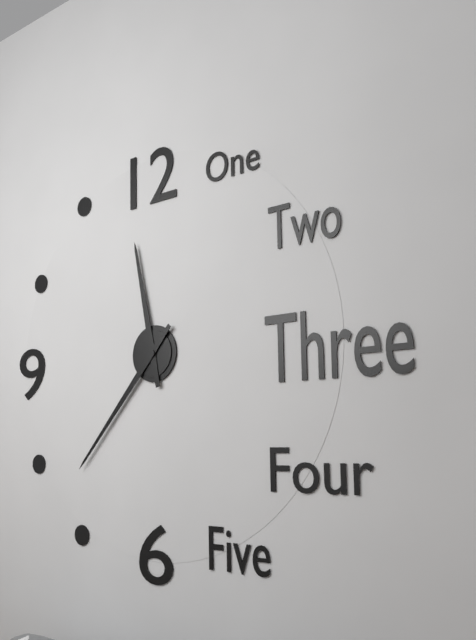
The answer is 11h37
